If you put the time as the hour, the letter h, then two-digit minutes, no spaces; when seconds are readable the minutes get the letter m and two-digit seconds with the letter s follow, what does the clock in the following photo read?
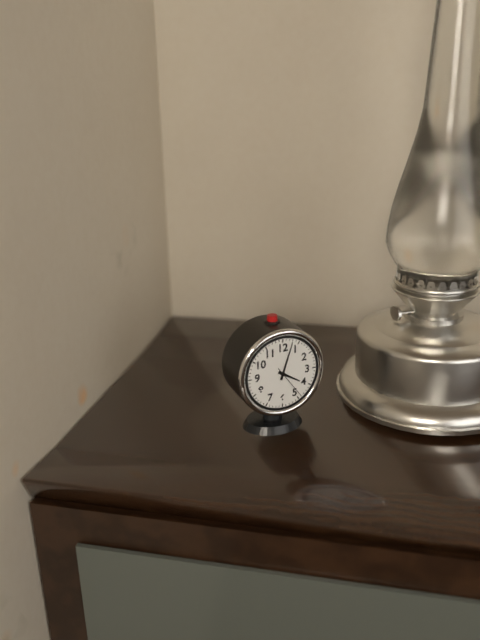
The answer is 4h03m24s
